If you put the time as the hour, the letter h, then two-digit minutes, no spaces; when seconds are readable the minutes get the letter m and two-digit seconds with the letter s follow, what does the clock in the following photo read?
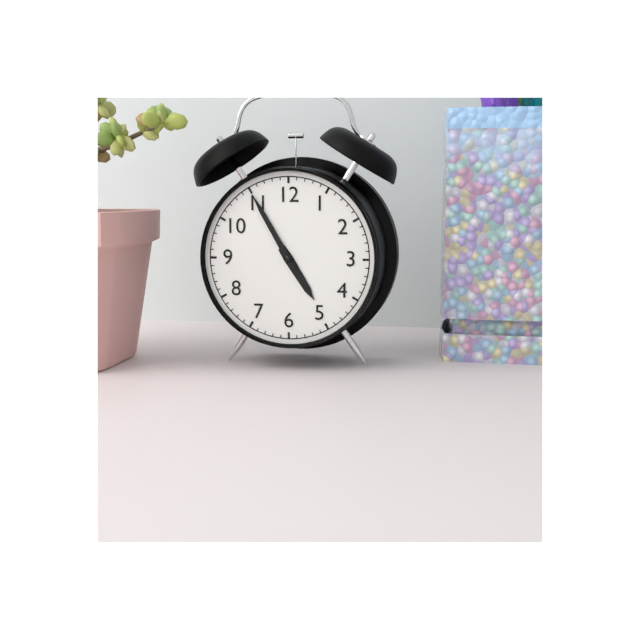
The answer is 4h55
